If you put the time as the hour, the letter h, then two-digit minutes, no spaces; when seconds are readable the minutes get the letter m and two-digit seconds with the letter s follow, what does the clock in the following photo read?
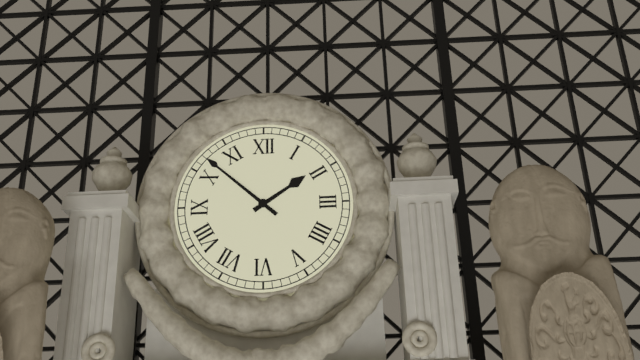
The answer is 1h52
